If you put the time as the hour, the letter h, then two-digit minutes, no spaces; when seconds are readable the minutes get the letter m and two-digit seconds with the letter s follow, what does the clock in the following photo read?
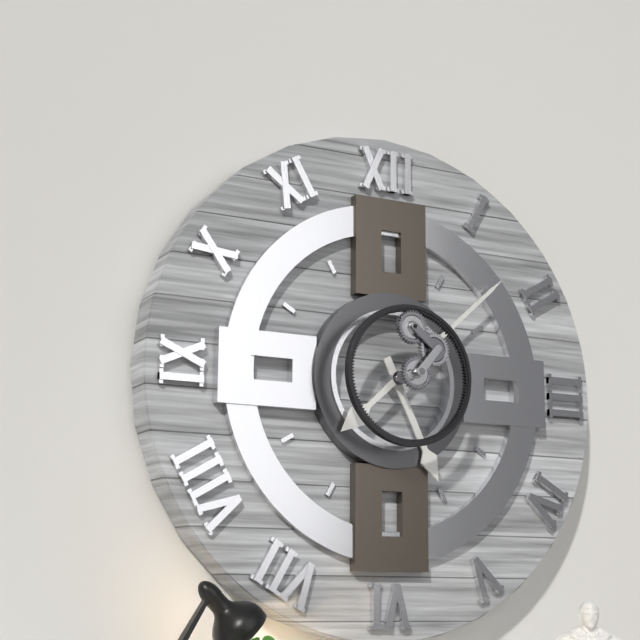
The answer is 5h08
